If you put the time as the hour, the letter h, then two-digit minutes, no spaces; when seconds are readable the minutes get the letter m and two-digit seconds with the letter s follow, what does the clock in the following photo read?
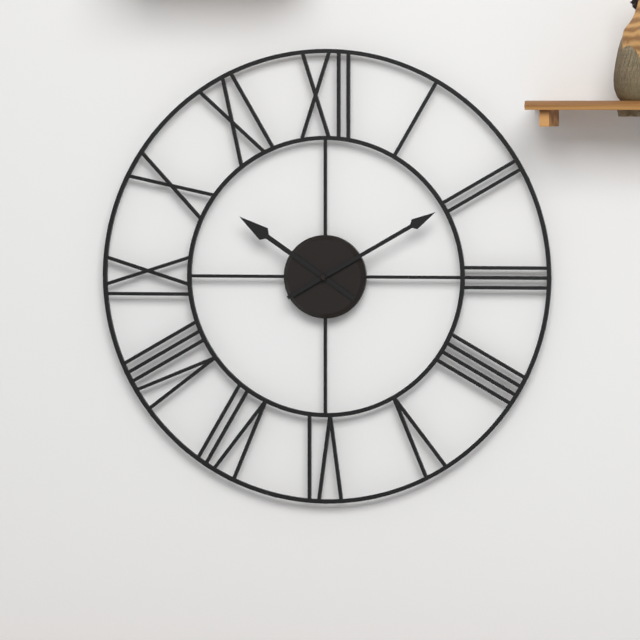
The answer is 10h10
